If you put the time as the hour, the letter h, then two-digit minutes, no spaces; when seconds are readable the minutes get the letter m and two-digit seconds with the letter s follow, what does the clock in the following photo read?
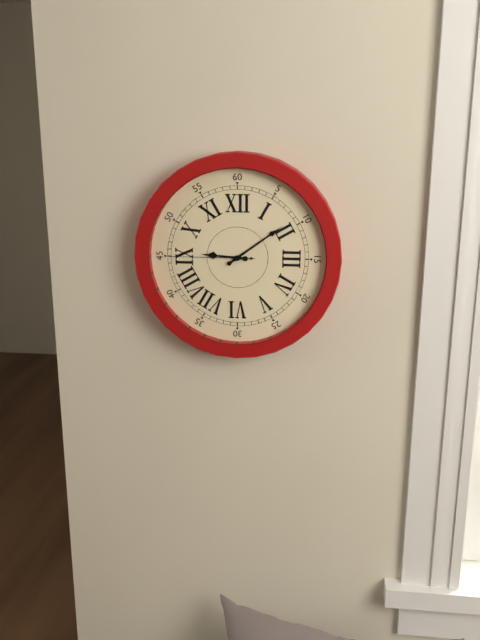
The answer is 9h09m45s
